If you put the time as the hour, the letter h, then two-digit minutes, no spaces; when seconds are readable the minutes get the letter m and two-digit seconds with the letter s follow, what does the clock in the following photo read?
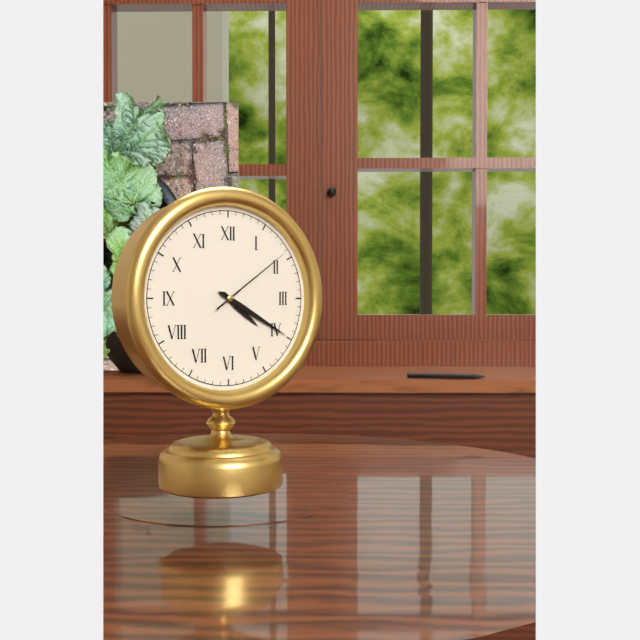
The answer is 4h20m09s
